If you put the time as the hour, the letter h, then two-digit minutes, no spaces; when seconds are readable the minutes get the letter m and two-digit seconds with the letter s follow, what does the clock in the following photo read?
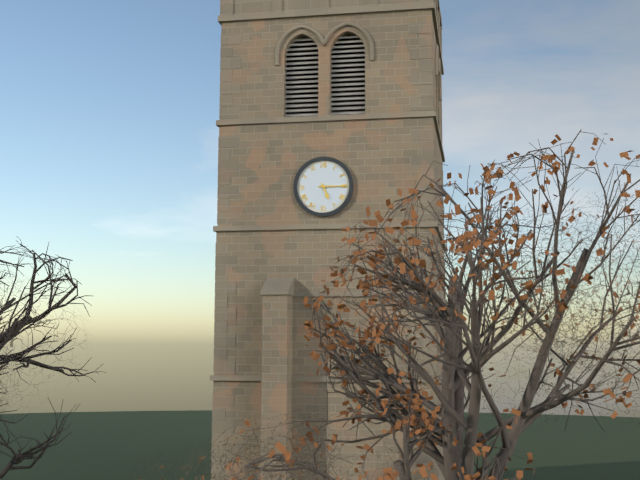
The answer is 5h15
